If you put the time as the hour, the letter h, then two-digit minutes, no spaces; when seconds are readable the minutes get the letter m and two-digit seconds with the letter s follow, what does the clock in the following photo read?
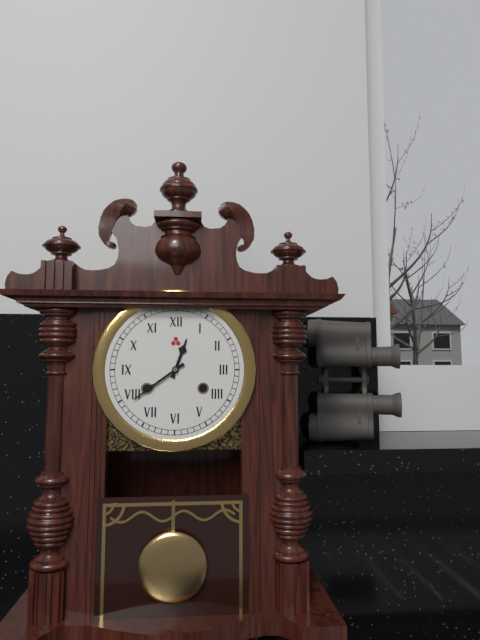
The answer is 12h39
